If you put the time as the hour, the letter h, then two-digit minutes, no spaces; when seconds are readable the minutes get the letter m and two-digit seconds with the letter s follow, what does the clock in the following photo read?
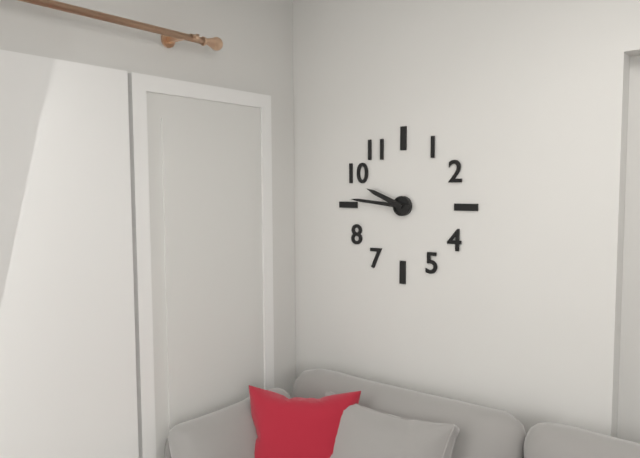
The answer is 9h46
